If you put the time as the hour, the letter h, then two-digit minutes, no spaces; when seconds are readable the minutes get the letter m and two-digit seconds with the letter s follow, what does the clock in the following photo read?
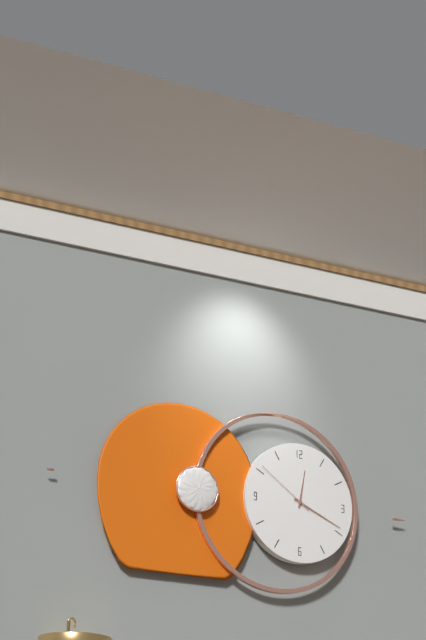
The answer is 12h19m51s
